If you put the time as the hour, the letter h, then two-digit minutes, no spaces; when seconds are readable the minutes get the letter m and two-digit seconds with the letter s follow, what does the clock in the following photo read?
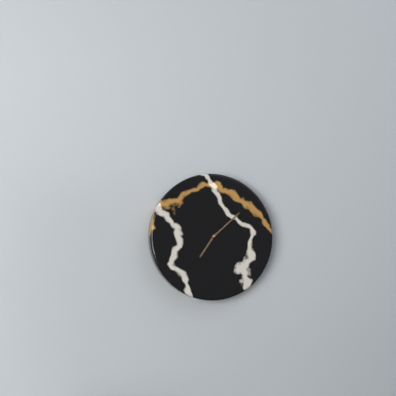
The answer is 7h08
